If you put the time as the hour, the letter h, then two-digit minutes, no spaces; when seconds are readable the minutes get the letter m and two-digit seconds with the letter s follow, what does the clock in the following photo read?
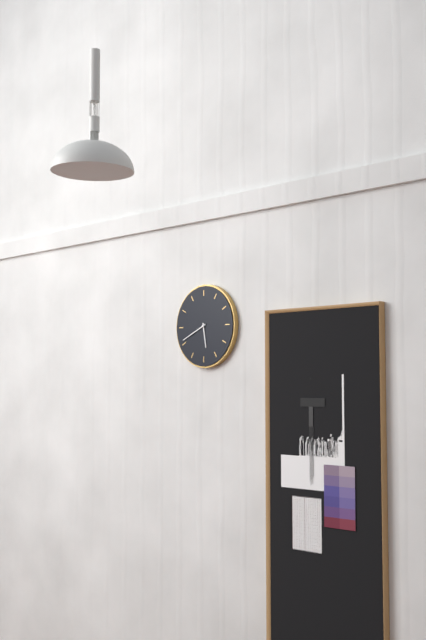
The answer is 5h41
